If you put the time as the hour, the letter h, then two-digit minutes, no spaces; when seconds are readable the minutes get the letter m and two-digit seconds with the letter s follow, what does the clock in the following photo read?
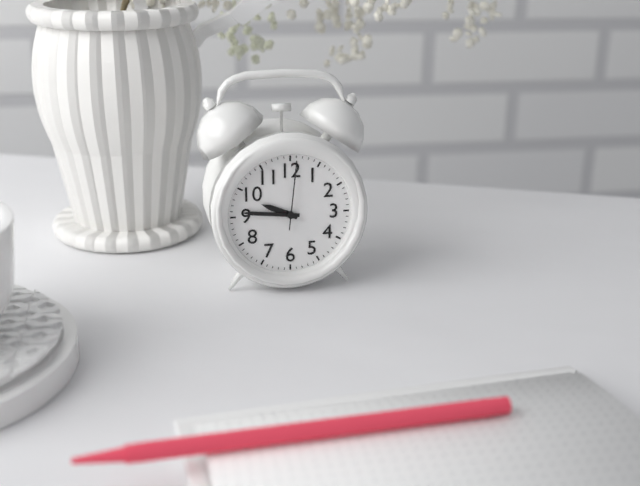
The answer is 9h46m01s
